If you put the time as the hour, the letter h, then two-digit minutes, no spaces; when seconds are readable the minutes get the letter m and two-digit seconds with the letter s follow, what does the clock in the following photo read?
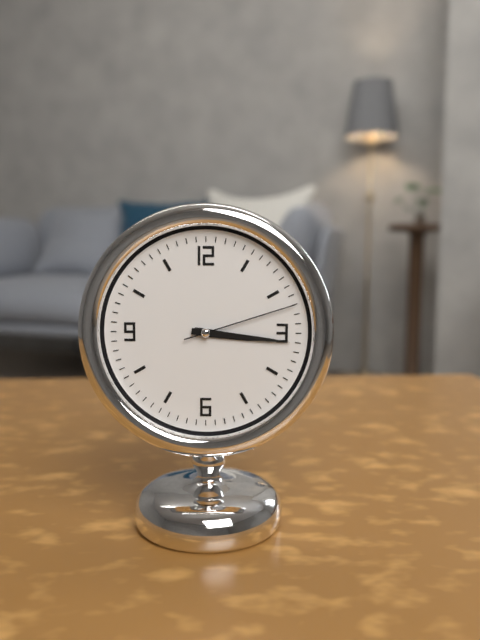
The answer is 3h16m12s
